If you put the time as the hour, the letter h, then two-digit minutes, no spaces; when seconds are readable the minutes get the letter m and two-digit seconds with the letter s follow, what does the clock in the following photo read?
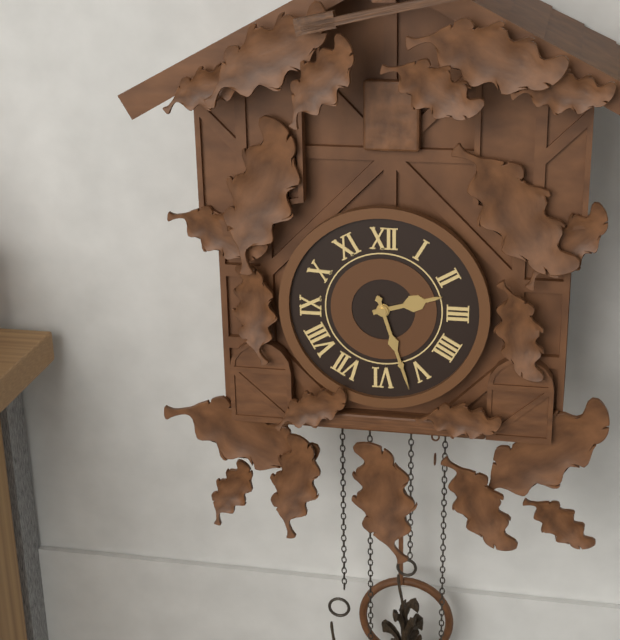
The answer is 2h27
